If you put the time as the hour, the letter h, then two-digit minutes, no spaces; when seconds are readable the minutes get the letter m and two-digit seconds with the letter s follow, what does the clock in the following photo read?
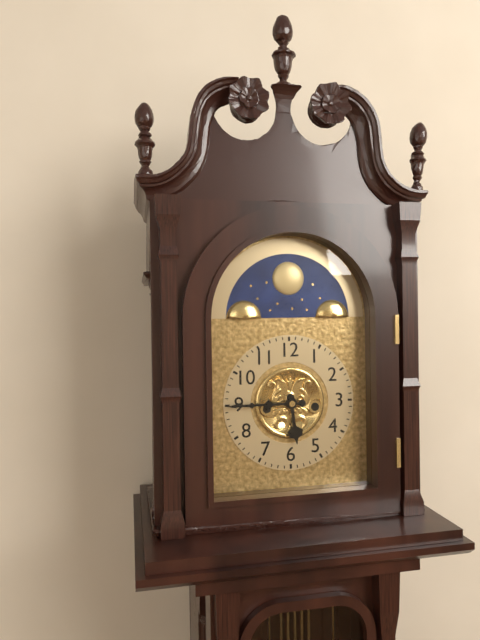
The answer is 5h45
